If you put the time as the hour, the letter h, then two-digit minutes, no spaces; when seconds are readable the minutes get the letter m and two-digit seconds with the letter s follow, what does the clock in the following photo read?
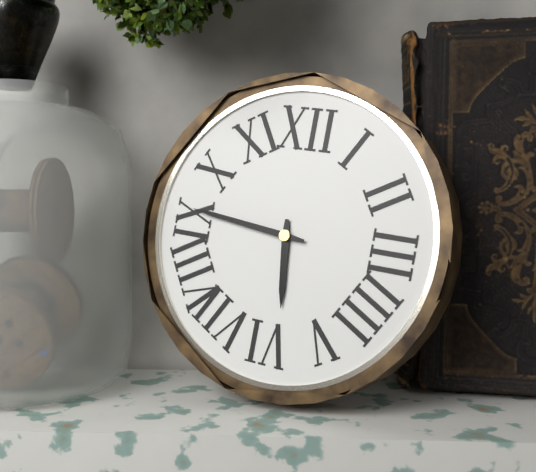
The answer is 5h46
